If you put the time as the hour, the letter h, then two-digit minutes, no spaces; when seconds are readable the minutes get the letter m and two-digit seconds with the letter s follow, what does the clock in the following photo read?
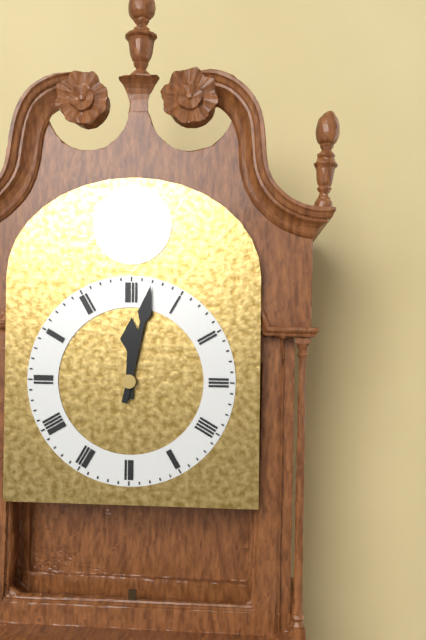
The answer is 12h02
